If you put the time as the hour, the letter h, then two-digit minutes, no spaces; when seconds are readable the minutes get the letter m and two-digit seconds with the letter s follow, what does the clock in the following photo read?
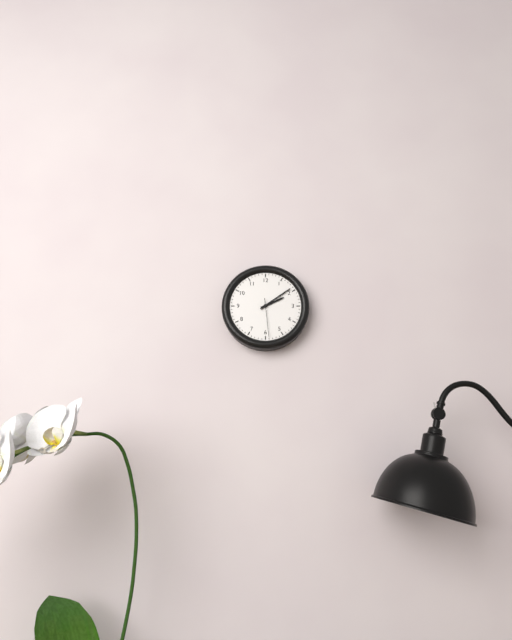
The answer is 2h09
